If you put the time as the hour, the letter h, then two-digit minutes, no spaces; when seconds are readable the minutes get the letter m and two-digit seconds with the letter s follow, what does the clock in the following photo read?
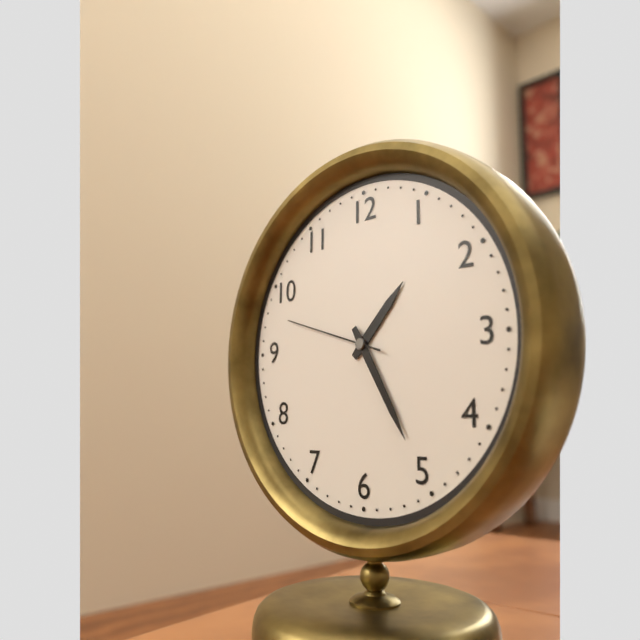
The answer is 1h25m48s
